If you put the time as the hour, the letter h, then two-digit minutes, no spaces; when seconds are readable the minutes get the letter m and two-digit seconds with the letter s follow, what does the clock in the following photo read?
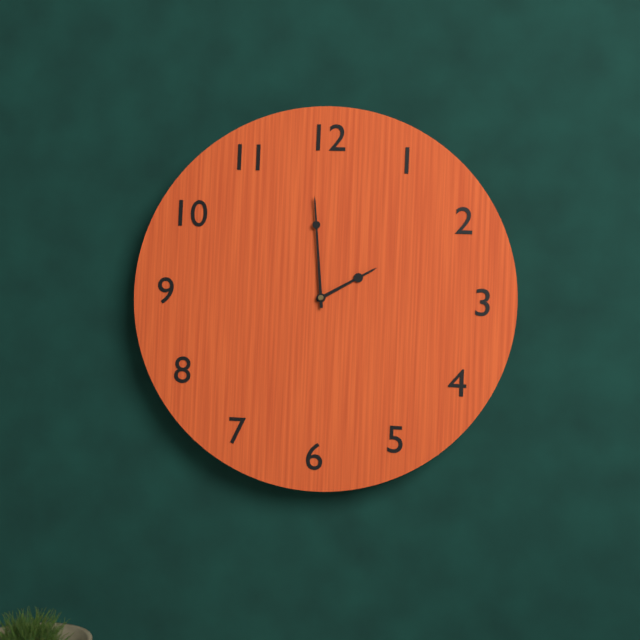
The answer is 1h59
